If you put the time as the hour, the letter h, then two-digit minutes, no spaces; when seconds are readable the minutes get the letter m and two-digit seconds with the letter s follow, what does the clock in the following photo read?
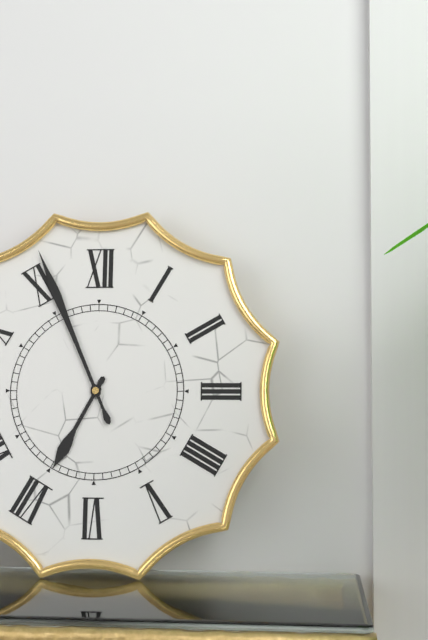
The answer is 6h56
